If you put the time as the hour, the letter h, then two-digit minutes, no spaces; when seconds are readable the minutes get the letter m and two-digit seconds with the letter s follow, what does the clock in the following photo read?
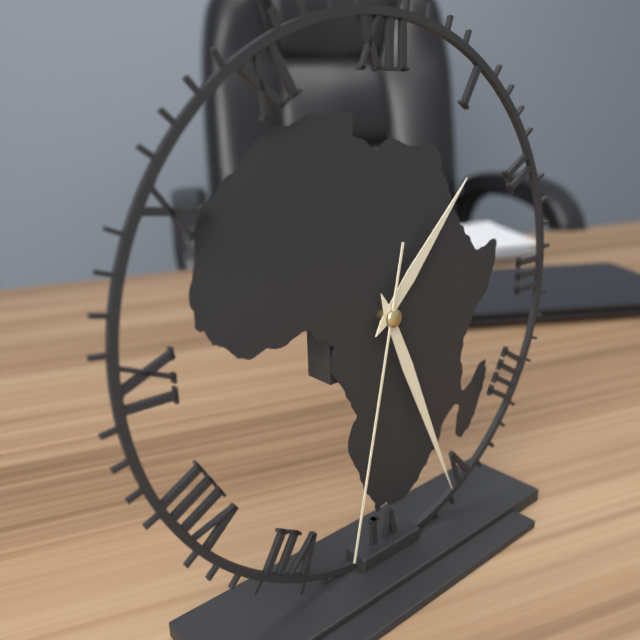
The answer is 1h26m32s
